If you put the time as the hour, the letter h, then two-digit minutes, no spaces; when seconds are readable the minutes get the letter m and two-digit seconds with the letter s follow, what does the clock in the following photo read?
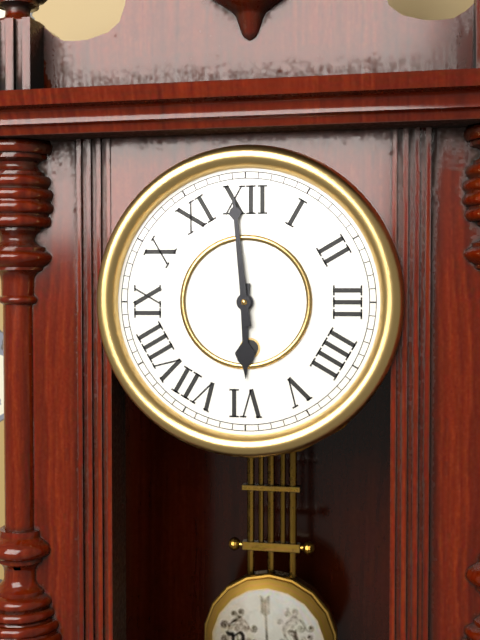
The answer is 5h59
